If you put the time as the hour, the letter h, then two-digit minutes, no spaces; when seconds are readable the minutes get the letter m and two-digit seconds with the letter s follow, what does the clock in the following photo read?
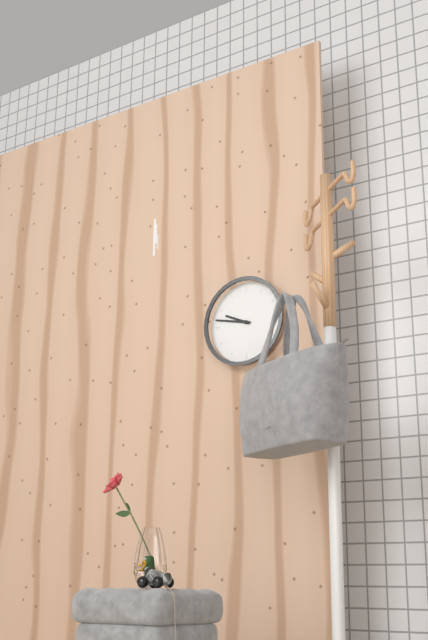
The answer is 9h47
